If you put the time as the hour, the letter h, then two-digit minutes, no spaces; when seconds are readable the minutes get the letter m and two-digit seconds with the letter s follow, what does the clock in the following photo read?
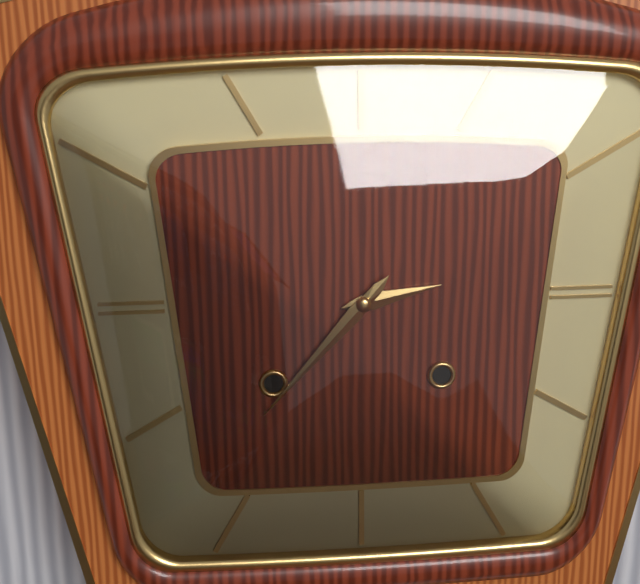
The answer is 2h37
